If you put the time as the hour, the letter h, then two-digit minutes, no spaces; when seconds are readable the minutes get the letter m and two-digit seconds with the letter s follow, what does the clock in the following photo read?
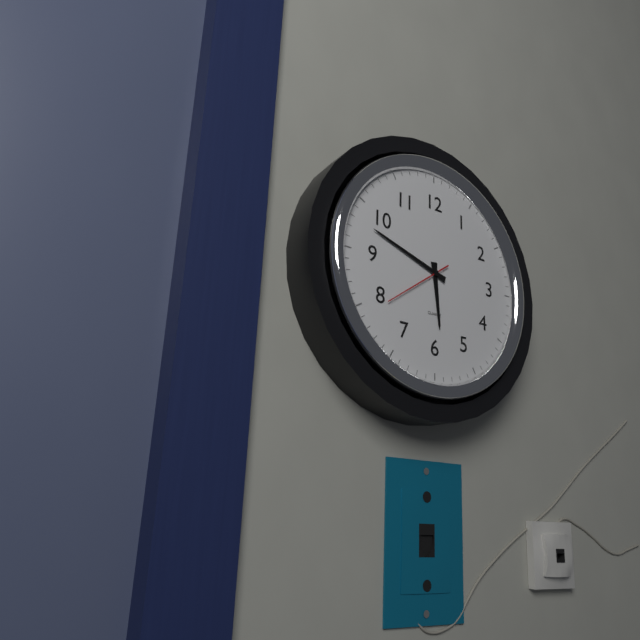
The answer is 5h48
